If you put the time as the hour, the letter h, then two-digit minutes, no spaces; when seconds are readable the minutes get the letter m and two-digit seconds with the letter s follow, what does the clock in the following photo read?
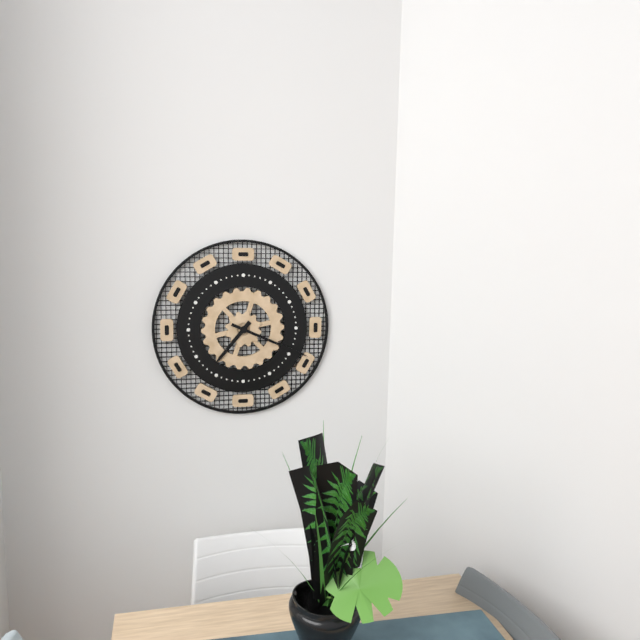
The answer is 7h19
